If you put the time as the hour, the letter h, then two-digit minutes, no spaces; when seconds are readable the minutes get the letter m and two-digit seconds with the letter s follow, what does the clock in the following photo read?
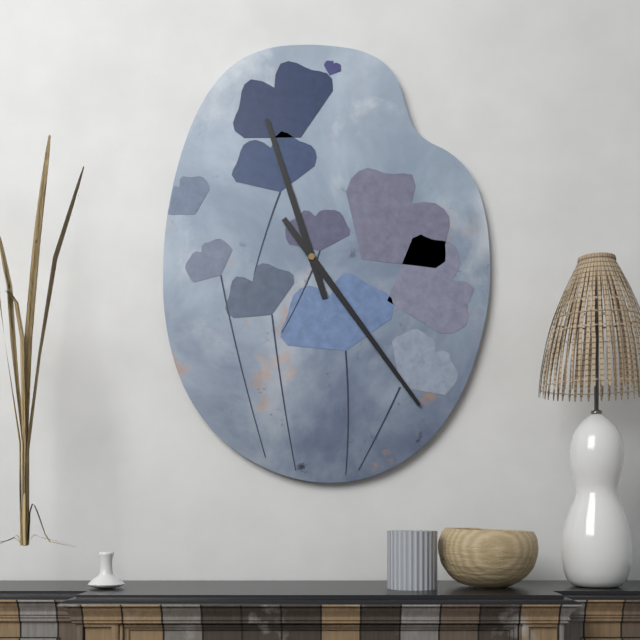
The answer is 11h24
